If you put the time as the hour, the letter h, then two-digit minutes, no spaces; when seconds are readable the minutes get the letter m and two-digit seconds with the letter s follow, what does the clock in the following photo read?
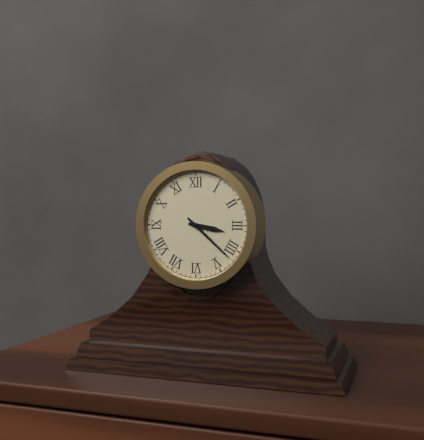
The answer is 3h22
